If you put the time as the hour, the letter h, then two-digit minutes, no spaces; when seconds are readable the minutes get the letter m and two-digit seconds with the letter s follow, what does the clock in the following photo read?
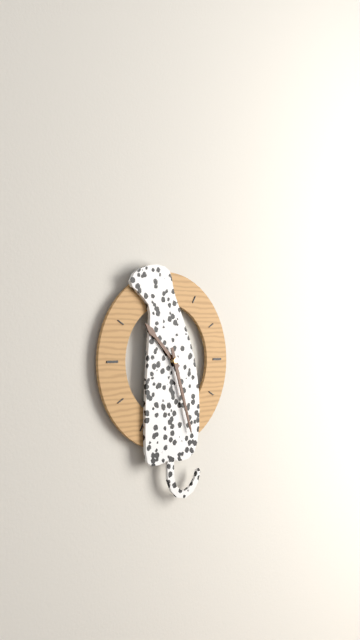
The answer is 10h27
